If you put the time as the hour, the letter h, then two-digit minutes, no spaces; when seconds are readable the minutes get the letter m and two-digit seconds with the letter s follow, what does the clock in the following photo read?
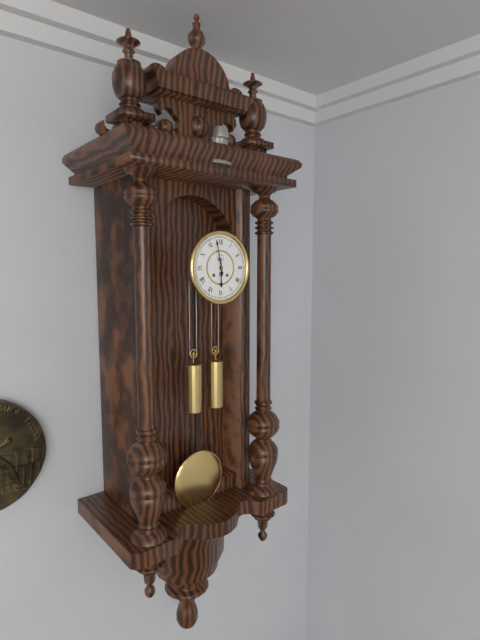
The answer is 5h58
